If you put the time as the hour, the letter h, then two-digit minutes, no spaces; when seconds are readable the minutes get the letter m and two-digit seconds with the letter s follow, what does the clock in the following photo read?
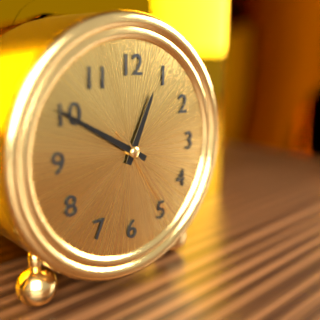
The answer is 12h50m24s
